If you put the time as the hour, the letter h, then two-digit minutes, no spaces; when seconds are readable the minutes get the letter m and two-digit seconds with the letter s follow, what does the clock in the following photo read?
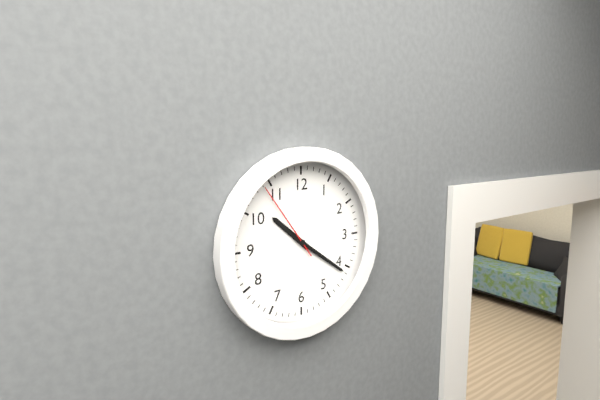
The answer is 10h21m54s
